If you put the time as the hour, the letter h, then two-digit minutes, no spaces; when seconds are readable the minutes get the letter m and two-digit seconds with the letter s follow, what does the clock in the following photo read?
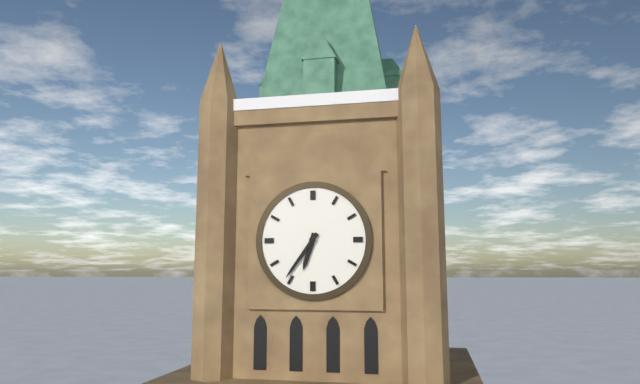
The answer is 6h36
